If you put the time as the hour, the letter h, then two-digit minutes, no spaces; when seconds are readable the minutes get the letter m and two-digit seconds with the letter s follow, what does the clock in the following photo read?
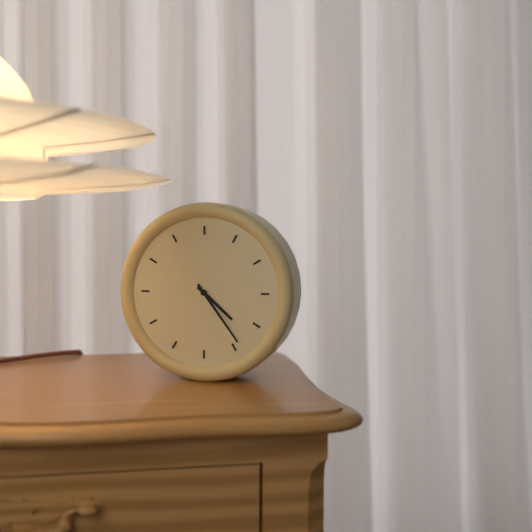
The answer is 4h24
